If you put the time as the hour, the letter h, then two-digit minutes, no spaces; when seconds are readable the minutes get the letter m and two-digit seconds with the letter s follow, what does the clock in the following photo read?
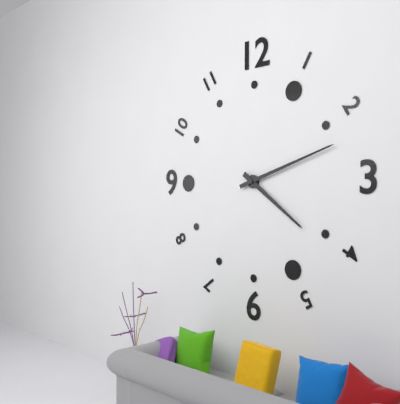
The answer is 4h12
